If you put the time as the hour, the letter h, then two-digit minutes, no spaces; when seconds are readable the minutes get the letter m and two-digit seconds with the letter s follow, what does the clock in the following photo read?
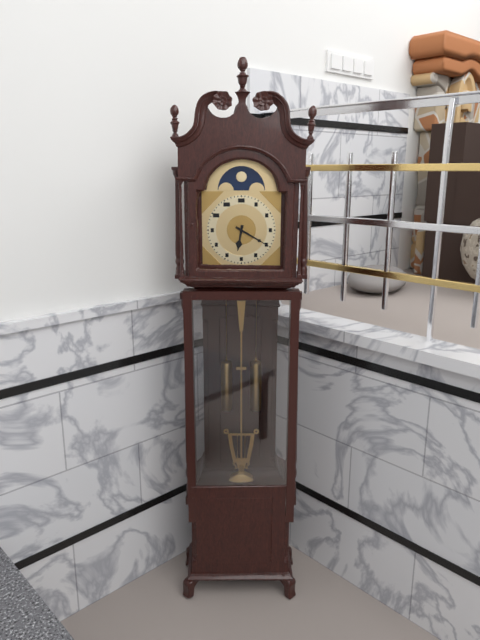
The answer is 6h20
